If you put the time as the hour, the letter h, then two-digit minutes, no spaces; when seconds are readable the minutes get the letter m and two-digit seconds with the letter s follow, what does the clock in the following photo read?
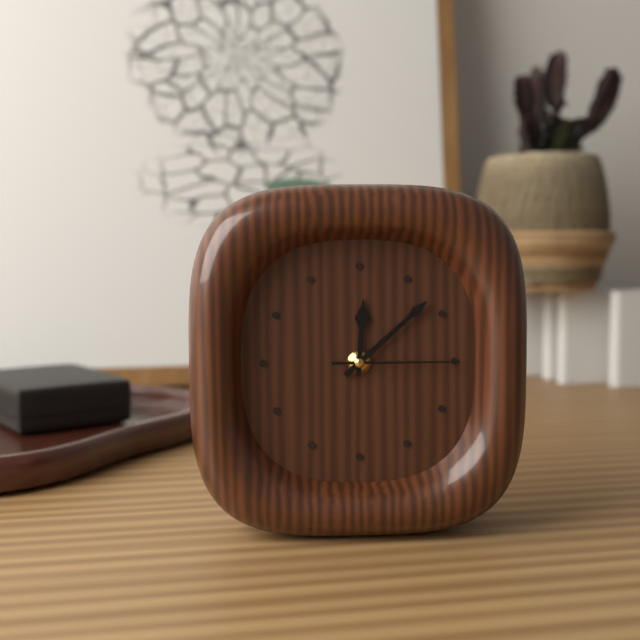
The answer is 12h08m15s
